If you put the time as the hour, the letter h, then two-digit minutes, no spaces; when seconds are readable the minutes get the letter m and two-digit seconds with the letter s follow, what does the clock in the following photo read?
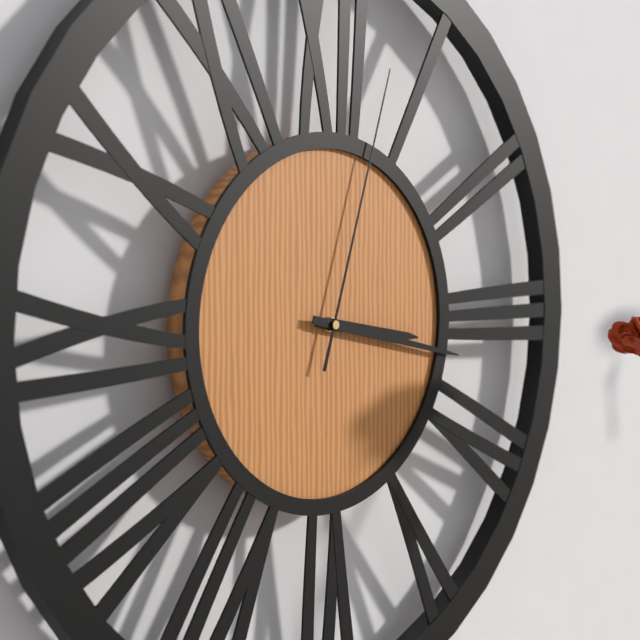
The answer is 3h17m03s
